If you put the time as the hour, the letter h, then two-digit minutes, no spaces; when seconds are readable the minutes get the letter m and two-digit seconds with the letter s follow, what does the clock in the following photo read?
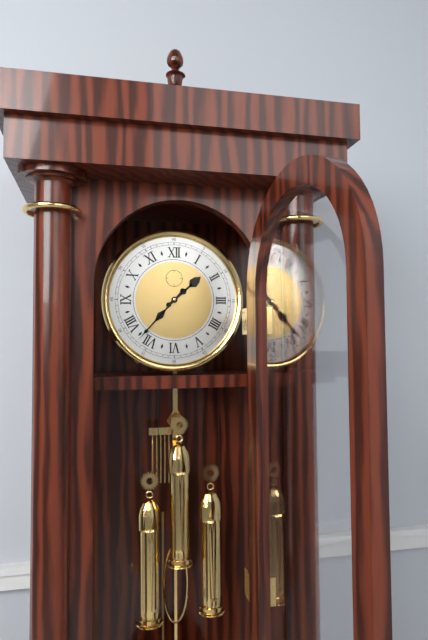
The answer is 1h37
